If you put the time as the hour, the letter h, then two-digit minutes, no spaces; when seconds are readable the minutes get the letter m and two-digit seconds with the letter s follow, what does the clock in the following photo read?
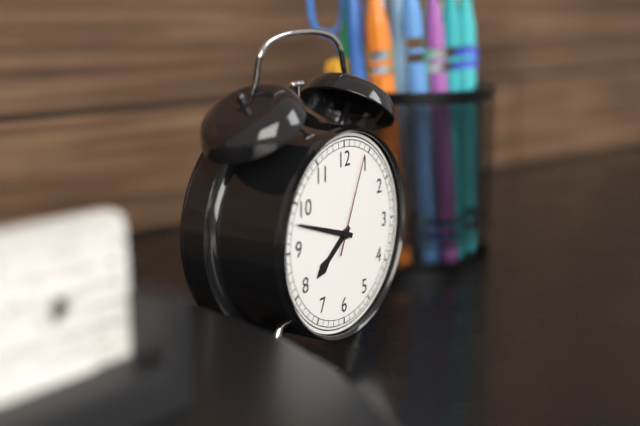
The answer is 7h48m04s
